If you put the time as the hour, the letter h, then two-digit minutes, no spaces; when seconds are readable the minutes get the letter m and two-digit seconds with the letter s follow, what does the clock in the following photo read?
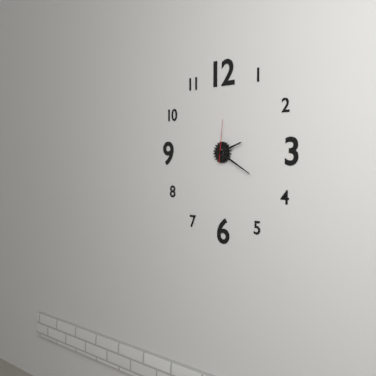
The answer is 2h20
